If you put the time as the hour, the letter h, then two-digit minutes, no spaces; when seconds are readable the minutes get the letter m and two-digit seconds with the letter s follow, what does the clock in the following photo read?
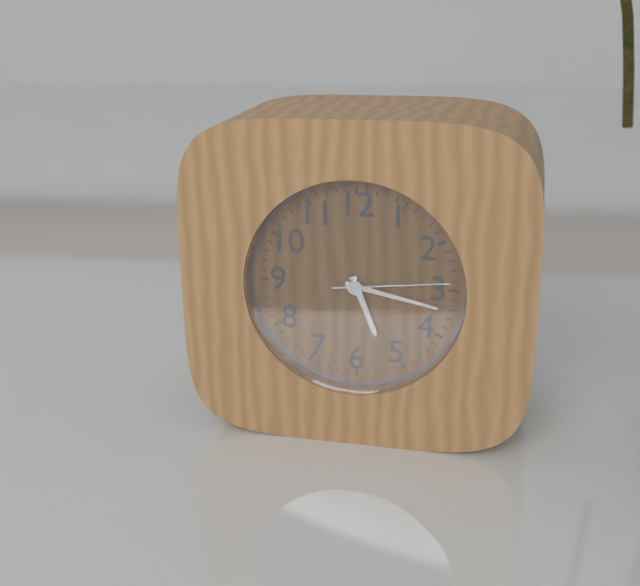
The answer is 5h17m14s
